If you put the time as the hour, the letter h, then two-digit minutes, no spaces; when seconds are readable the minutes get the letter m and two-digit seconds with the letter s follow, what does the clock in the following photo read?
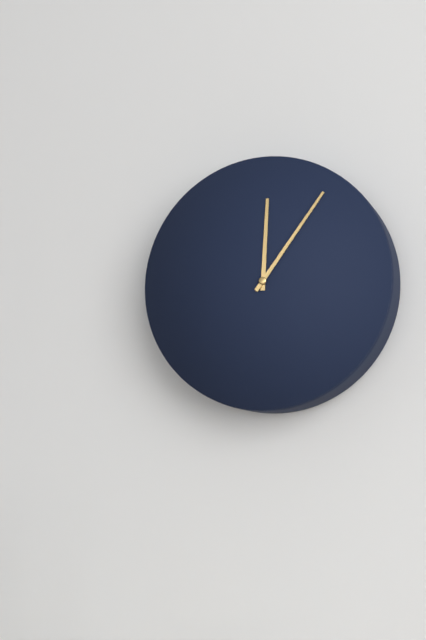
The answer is 12h06
